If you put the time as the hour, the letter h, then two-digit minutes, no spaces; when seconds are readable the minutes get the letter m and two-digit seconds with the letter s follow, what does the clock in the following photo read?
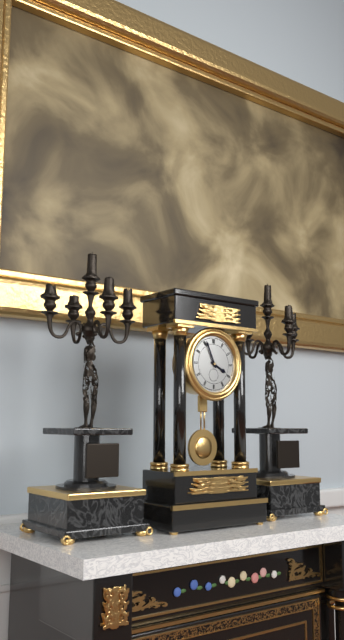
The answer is 3h56
